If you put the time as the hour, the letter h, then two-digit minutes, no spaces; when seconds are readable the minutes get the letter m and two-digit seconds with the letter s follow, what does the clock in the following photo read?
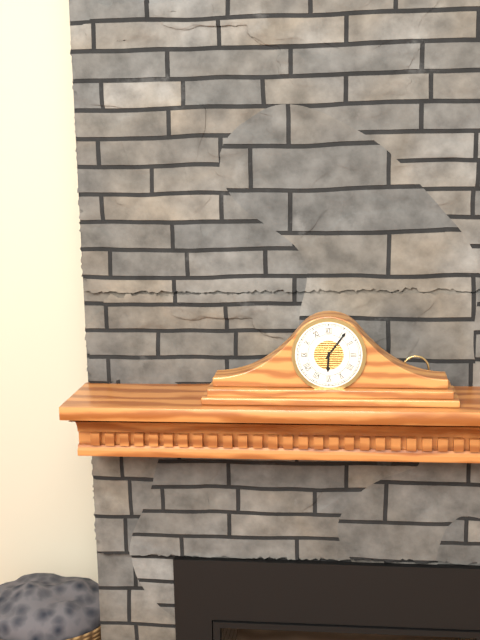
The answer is 6h06
